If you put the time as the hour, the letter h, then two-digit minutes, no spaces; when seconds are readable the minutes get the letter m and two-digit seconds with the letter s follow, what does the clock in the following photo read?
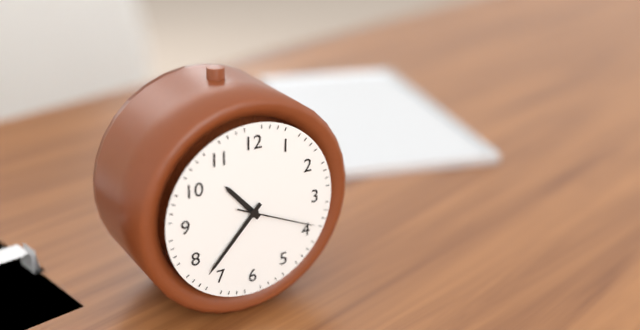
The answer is 10h37m19s
